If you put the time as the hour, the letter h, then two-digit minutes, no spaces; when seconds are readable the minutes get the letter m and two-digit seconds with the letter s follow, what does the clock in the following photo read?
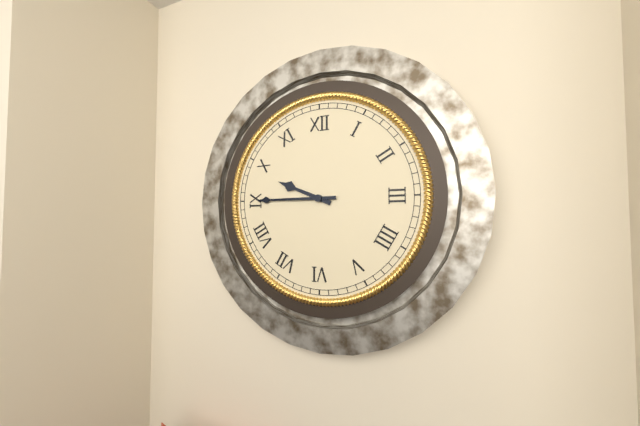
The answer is 9h45
